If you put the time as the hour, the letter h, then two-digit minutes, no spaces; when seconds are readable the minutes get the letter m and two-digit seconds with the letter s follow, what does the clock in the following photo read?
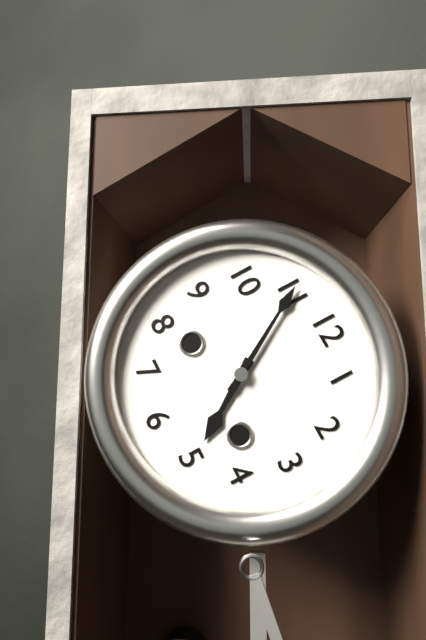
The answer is 4h55
